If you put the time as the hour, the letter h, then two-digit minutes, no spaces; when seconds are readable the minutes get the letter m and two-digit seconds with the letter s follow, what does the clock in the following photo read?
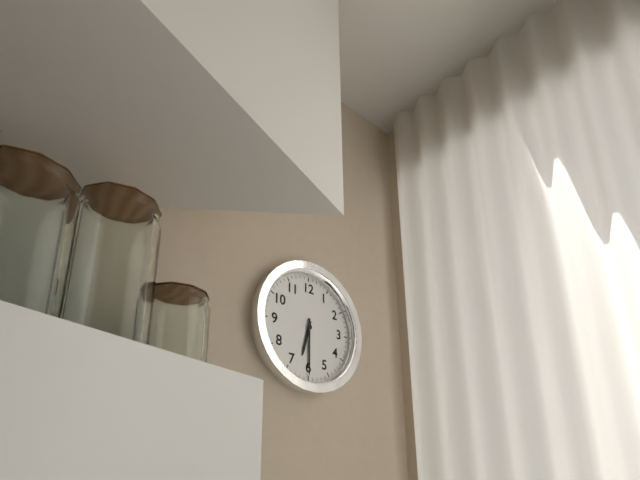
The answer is 6h30
